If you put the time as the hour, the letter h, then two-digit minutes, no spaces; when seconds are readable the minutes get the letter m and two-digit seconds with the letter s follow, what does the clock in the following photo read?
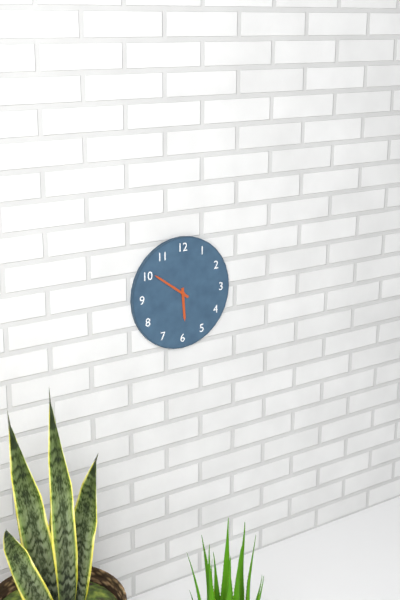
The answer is 5h51
